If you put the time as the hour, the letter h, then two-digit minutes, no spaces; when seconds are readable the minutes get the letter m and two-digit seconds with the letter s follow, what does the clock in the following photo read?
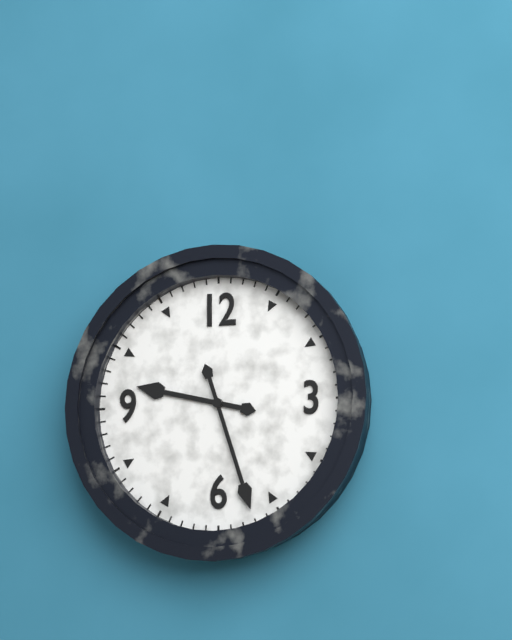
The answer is 9h27
